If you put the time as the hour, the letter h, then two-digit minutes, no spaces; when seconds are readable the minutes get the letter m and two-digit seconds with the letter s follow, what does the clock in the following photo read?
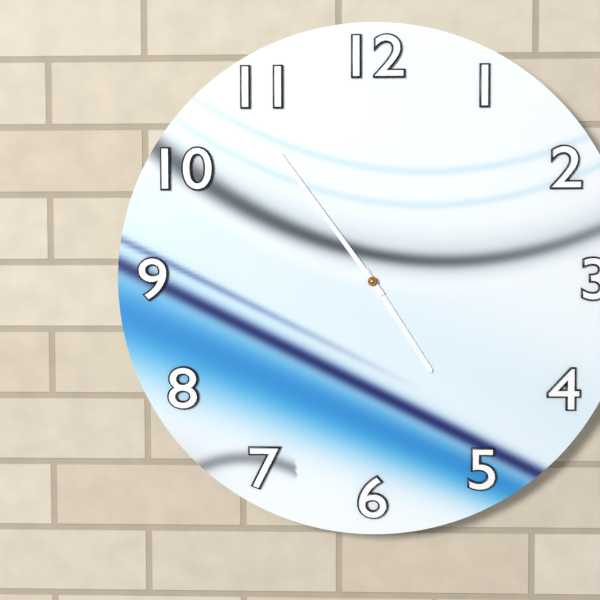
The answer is 4h54
